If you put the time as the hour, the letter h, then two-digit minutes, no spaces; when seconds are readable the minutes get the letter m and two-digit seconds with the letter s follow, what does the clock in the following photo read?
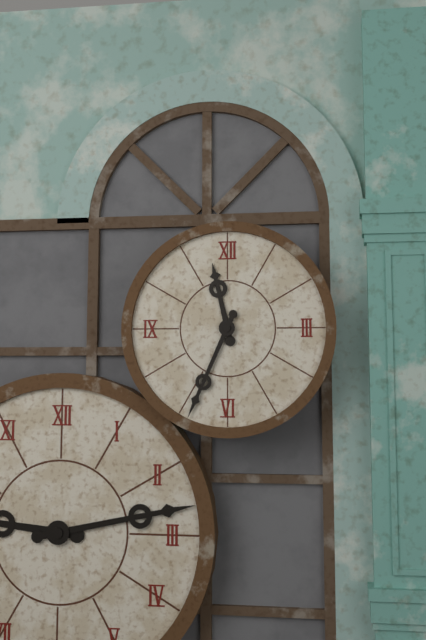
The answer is 11h34
